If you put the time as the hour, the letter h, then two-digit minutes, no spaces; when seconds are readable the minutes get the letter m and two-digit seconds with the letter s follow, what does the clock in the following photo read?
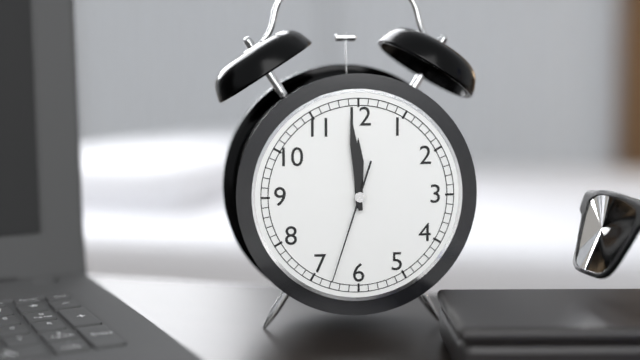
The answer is 11h59m33s
